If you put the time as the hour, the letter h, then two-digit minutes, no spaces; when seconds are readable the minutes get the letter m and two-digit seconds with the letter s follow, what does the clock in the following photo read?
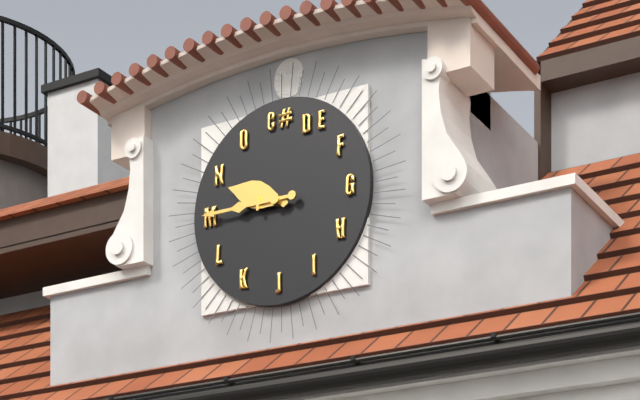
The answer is 9h45
